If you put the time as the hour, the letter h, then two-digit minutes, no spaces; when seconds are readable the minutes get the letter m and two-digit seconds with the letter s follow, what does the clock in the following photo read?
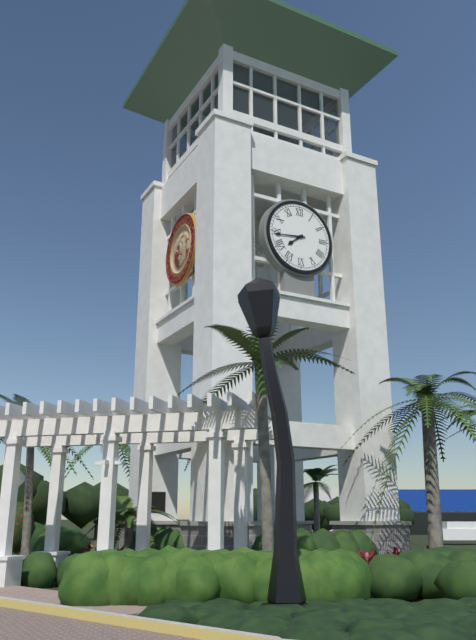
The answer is 7h44
